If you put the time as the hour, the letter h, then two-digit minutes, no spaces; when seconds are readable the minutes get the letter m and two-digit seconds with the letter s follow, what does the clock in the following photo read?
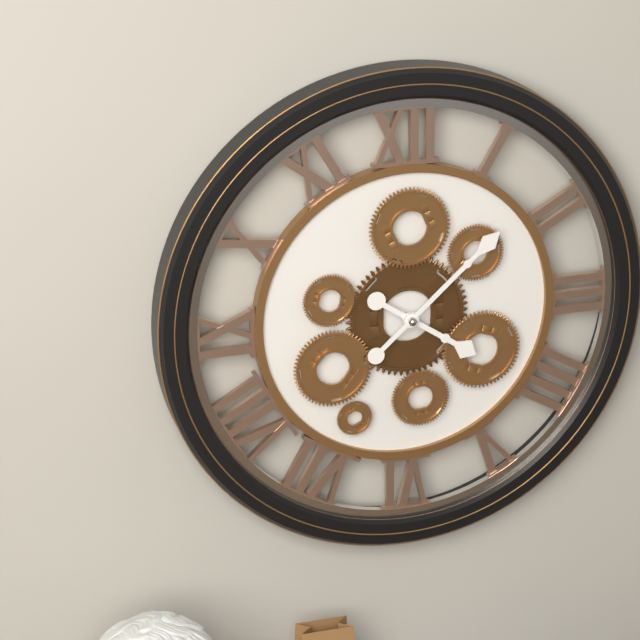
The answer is 4h08
